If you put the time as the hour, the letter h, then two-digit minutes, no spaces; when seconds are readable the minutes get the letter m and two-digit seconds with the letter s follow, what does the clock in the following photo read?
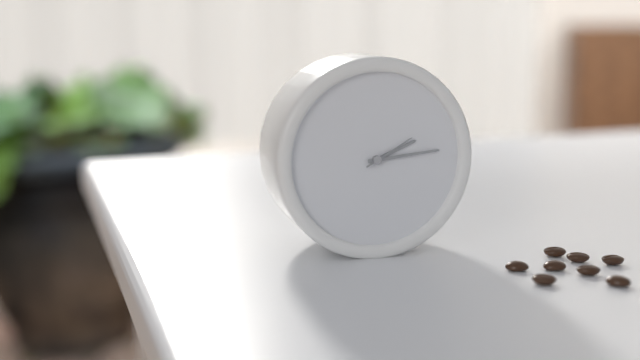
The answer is 2h14m10s
